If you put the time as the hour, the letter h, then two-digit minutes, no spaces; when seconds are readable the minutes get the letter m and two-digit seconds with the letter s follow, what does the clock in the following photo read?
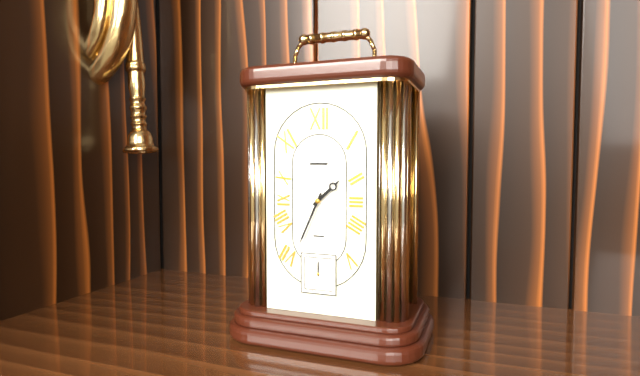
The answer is 1h34
